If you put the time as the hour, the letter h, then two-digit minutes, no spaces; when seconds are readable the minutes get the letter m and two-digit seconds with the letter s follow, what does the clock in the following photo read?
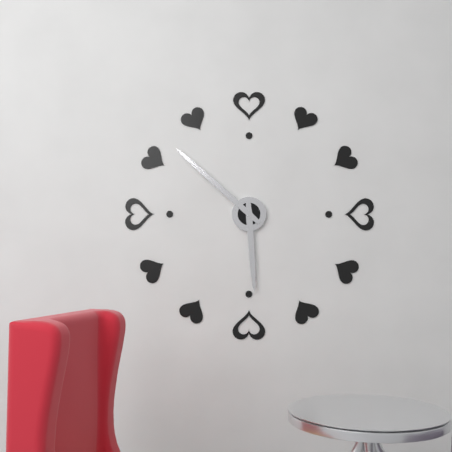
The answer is 5h52
